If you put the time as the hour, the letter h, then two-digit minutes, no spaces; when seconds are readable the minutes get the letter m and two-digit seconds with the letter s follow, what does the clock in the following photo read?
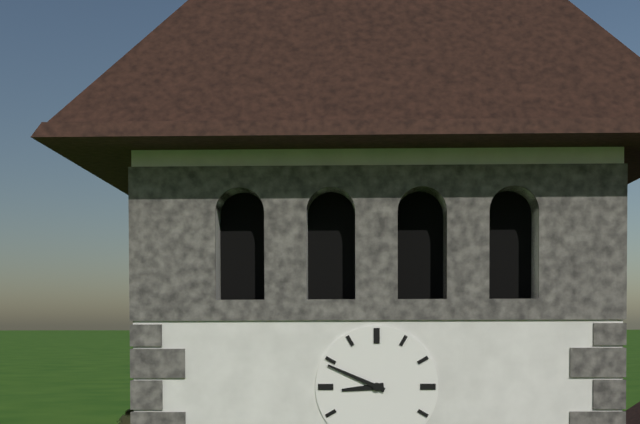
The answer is 8h49
